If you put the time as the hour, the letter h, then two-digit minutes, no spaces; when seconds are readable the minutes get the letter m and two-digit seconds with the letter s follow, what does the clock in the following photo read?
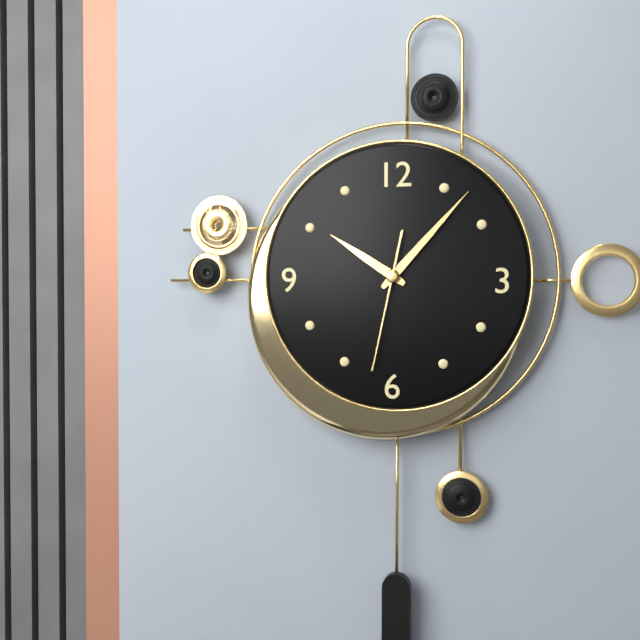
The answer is 10h07m32s
